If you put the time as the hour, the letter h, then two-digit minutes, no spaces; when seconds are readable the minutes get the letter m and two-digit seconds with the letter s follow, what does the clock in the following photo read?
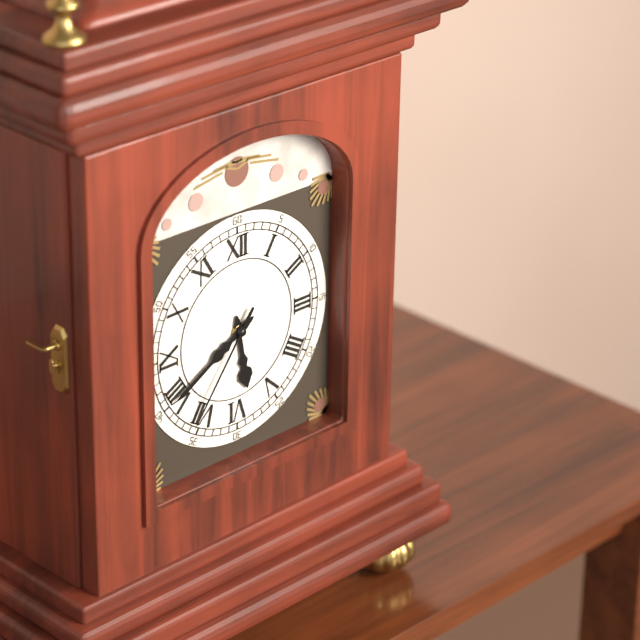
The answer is 5h40m36s
